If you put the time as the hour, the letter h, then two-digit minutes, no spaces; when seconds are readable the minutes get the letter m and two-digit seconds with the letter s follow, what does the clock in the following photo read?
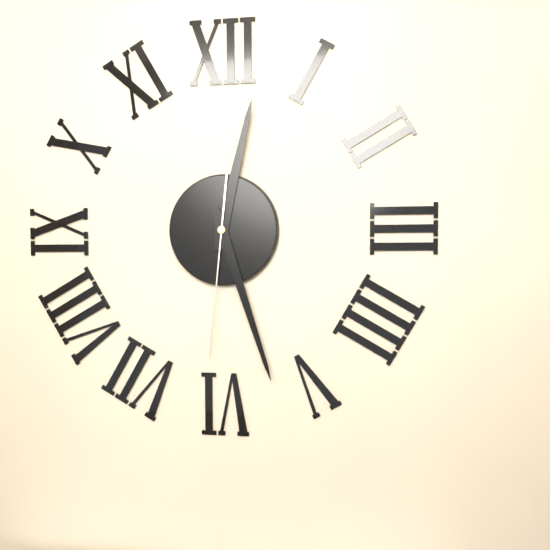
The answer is 12h27m31s
